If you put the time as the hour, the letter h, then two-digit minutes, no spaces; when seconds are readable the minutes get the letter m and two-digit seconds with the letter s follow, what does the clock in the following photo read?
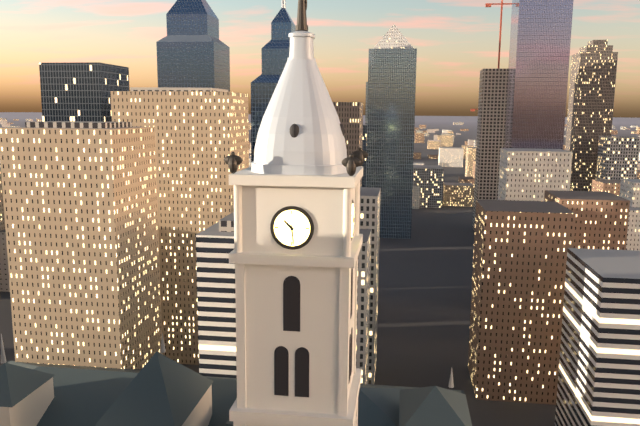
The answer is 10h29
